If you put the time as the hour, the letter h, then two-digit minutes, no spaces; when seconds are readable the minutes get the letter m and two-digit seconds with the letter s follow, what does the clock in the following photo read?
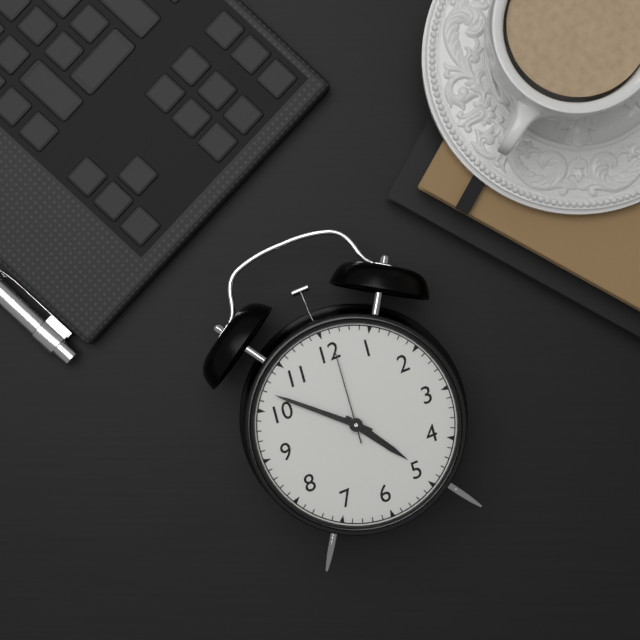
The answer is 4h52m01s
